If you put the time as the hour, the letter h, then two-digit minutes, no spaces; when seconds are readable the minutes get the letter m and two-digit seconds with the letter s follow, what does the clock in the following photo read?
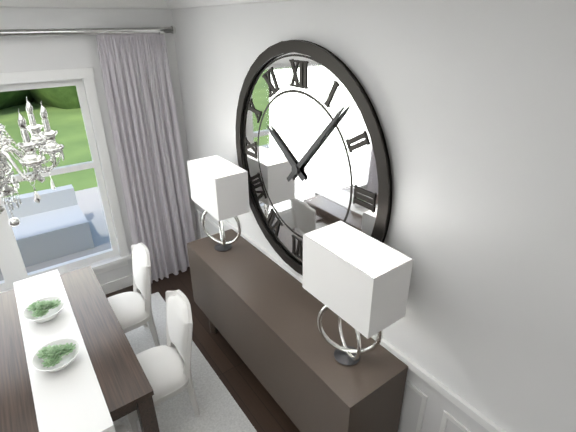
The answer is 10h07
